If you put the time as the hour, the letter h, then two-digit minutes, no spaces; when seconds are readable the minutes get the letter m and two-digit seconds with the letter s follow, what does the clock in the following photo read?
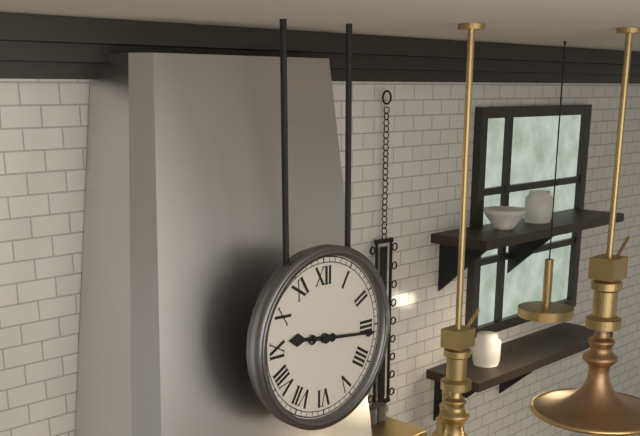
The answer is 9h16
